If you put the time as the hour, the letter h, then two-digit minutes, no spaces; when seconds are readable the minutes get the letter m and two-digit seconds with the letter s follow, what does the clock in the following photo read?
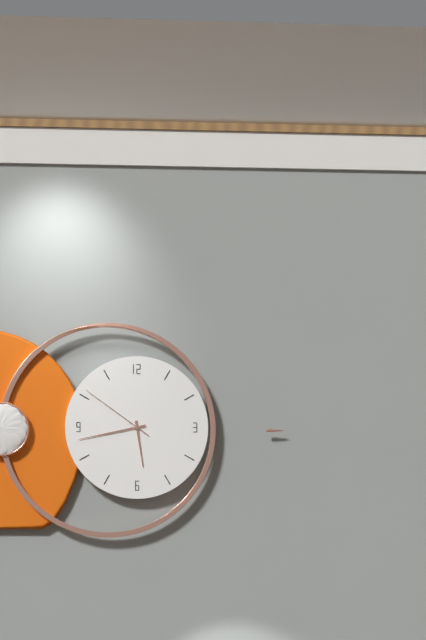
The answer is 5h43m51s
